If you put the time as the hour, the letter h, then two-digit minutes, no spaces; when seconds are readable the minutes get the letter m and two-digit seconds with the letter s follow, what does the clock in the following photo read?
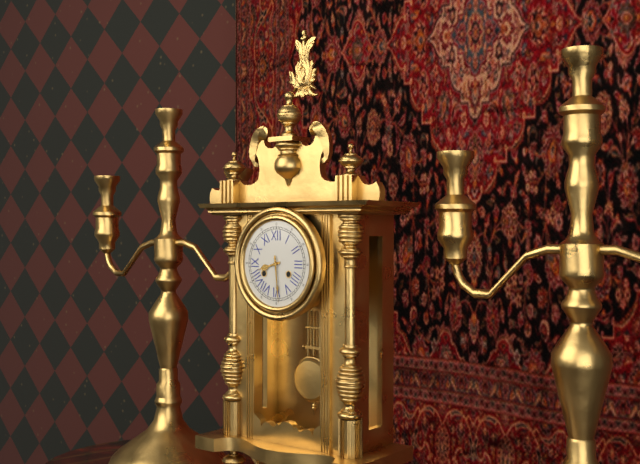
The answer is 8h29
